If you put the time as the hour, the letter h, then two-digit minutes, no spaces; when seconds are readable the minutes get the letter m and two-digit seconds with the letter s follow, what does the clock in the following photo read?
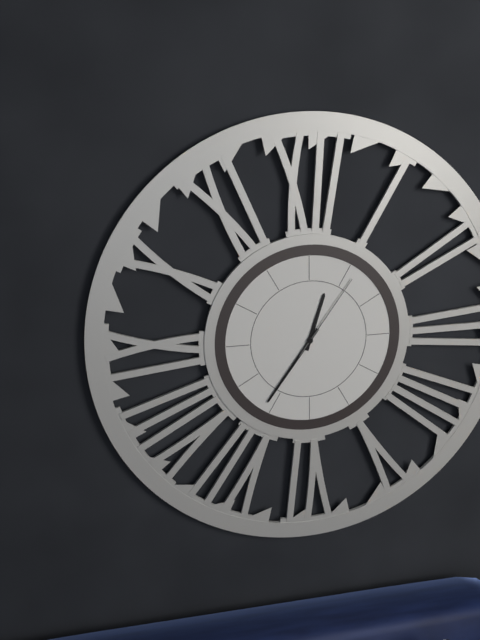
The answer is 12h36m06s
